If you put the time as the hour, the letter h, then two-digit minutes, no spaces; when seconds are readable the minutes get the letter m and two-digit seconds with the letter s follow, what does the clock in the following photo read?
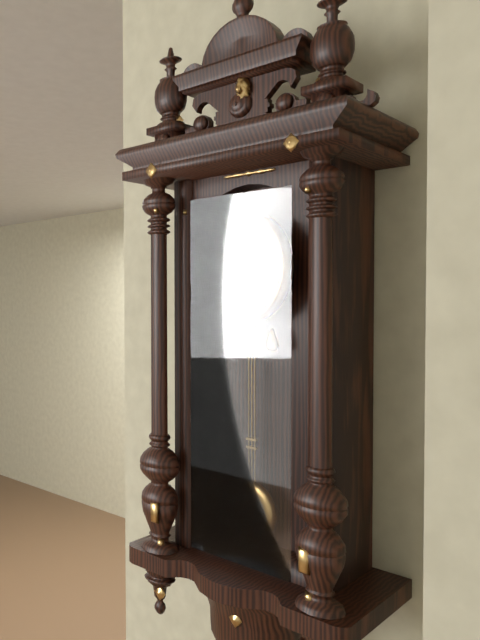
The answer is 6h14
